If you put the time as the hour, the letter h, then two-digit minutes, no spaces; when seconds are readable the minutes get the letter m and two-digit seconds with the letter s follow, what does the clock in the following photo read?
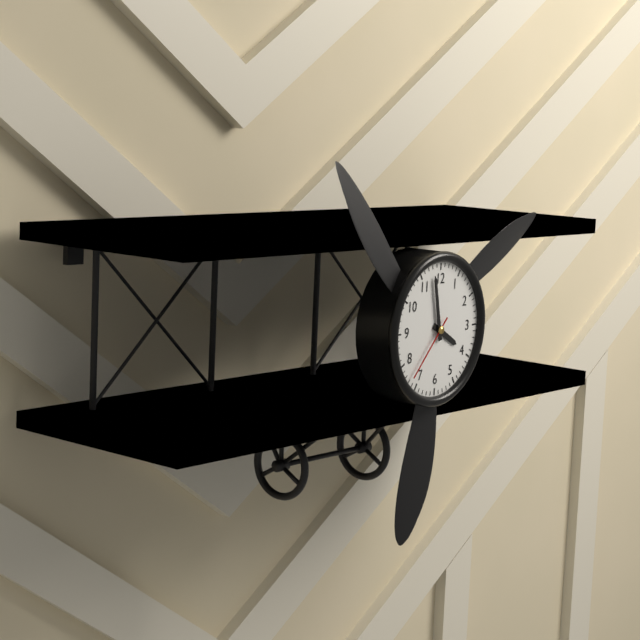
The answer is 3h58m37s
